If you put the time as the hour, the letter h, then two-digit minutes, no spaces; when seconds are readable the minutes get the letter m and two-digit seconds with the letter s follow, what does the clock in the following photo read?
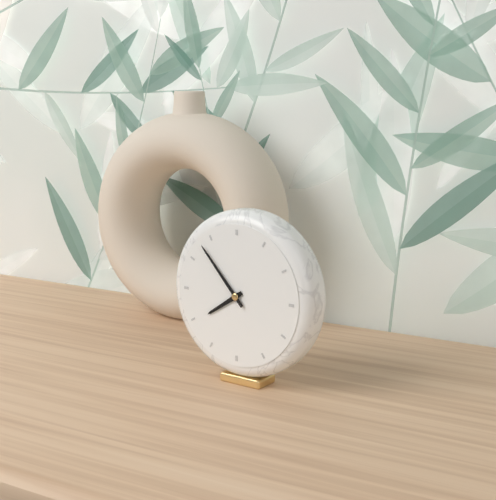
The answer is 7h53
